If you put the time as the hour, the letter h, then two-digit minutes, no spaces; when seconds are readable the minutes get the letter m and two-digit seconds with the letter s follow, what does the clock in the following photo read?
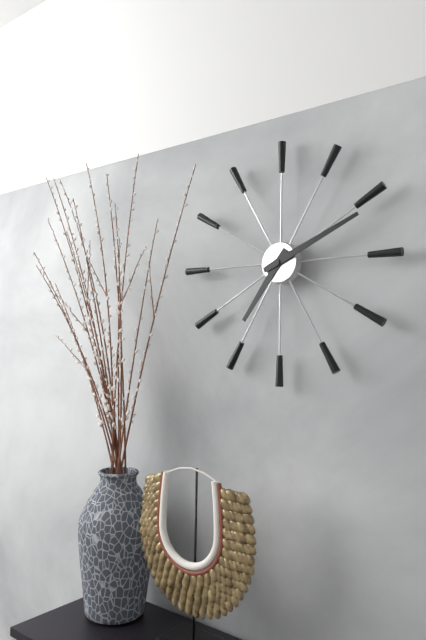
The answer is 7h11
